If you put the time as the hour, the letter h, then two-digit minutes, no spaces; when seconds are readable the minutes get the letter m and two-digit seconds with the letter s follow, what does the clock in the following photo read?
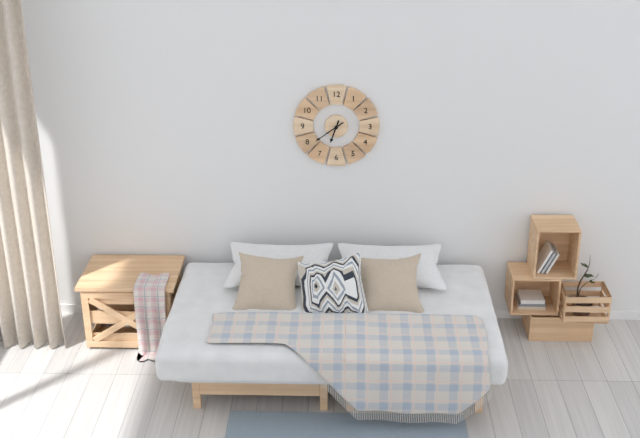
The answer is 6h39
